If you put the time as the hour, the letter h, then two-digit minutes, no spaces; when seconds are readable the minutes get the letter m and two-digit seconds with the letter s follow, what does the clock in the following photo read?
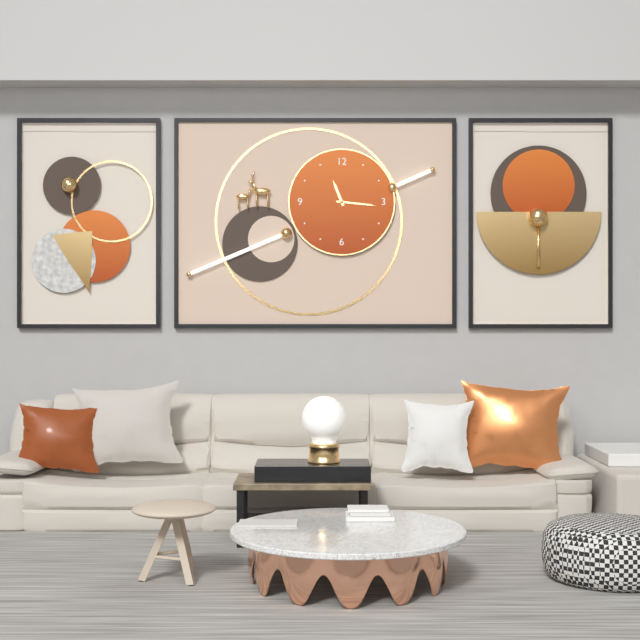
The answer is 11h16
